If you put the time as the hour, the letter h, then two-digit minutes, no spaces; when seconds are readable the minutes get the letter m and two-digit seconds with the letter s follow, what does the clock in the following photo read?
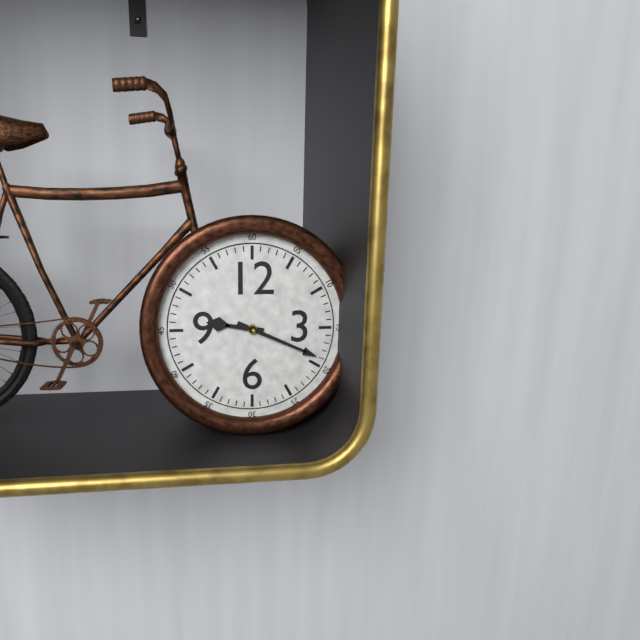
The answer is 9h19
